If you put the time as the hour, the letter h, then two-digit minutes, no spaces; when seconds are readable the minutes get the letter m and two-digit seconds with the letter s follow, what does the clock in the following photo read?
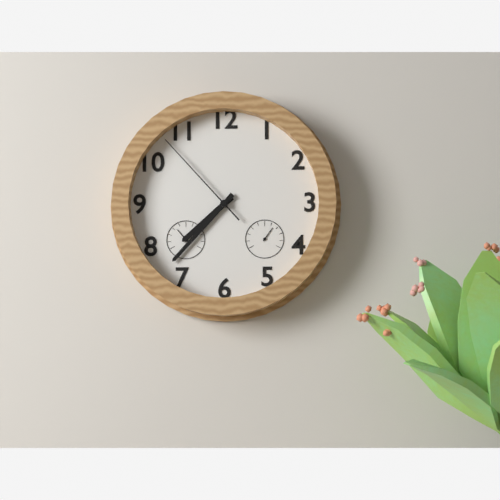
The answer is 7h37m53s
